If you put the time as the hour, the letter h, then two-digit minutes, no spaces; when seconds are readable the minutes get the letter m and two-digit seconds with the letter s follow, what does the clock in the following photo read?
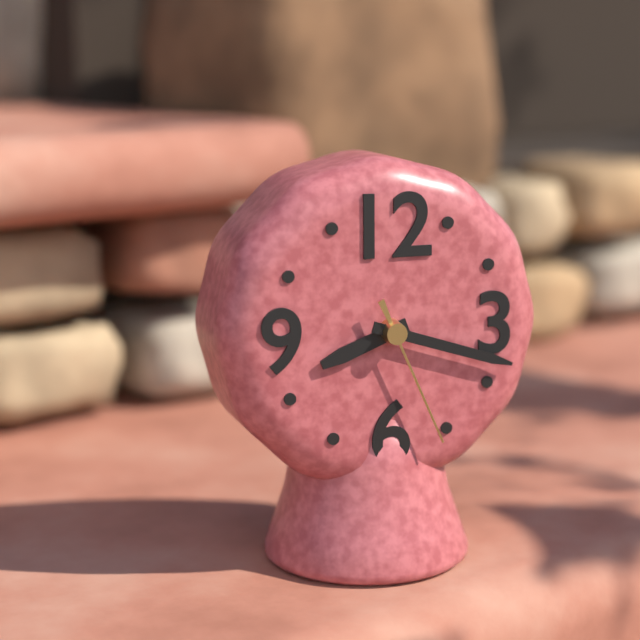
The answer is 8h18m26s
